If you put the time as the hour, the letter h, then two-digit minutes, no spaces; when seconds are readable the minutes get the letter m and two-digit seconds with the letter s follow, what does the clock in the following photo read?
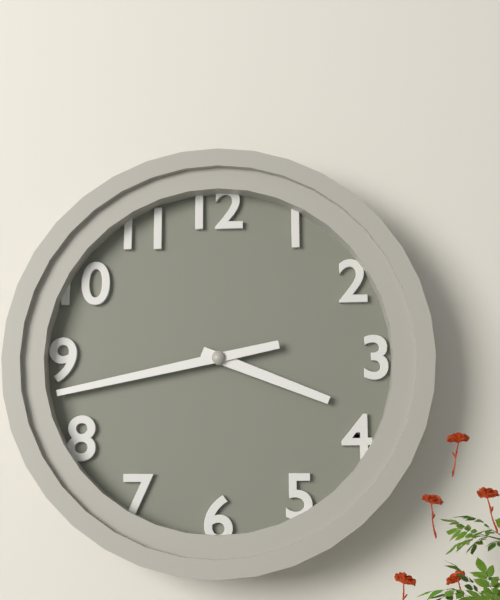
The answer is 3h43
